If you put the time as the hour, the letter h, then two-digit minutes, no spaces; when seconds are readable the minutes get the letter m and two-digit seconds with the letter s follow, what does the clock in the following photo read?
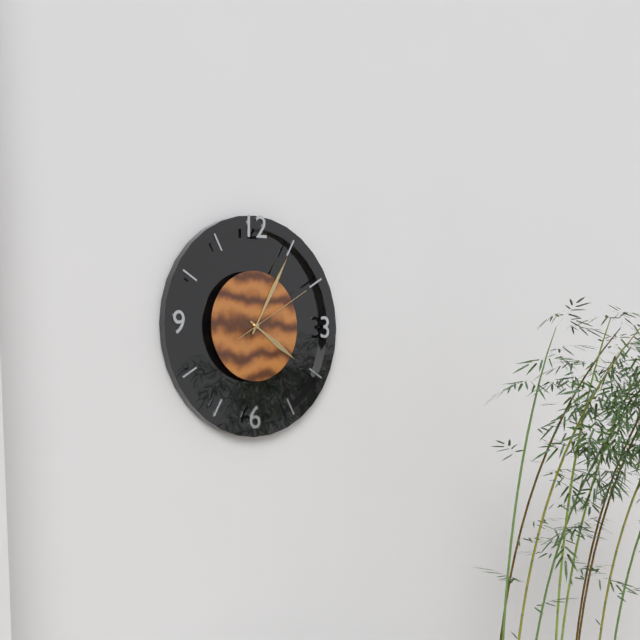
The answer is 4h05m10s
